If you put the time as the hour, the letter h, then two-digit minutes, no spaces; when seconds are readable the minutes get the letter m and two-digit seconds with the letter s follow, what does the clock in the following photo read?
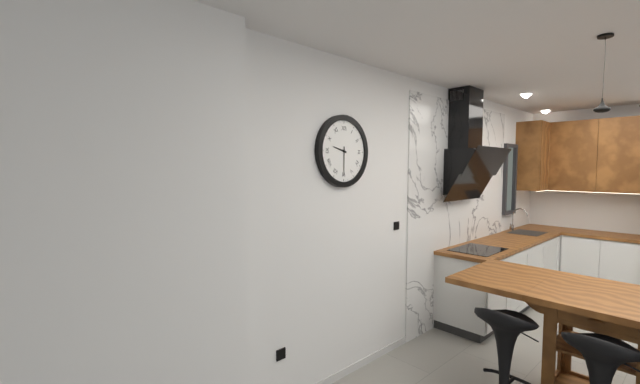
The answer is 9h30
